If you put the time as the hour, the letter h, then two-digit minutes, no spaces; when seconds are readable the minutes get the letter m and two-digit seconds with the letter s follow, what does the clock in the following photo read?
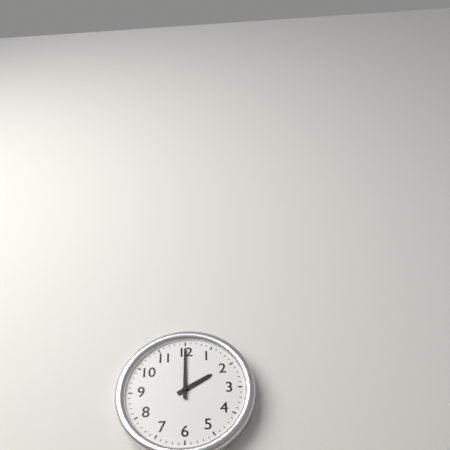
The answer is 2h00
